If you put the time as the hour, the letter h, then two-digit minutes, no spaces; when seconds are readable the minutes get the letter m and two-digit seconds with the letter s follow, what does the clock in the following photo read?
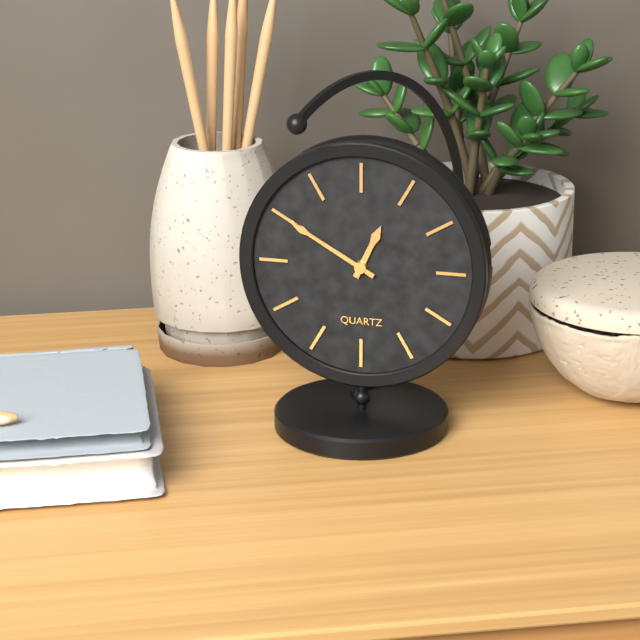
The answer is 12h50
